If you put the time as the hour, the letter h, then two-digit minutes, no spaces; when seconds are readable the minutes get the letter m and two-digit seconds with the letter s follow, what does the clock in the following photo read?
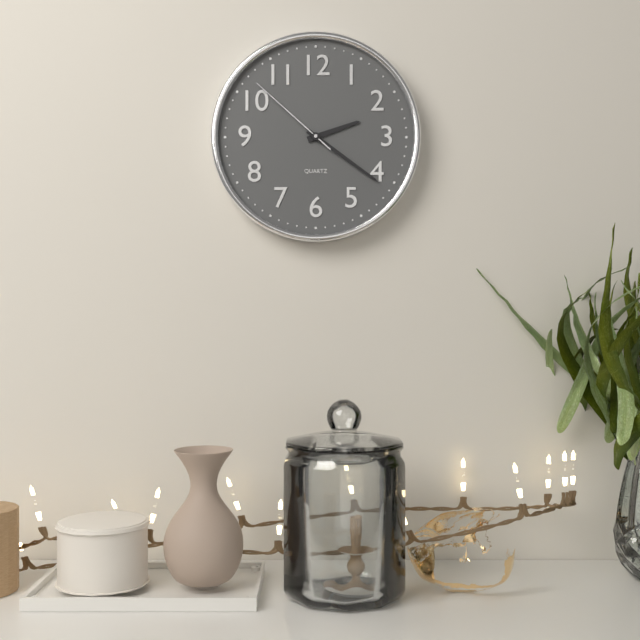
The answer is 2h21m52s
